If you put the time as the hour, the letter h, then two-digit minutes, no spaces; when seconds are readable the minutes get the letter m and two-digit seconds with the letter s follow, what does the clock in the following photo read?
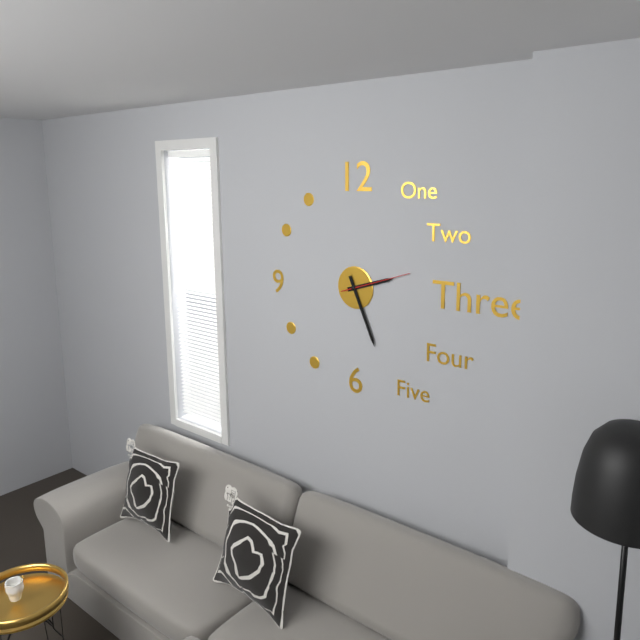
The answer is 2h26m12s
